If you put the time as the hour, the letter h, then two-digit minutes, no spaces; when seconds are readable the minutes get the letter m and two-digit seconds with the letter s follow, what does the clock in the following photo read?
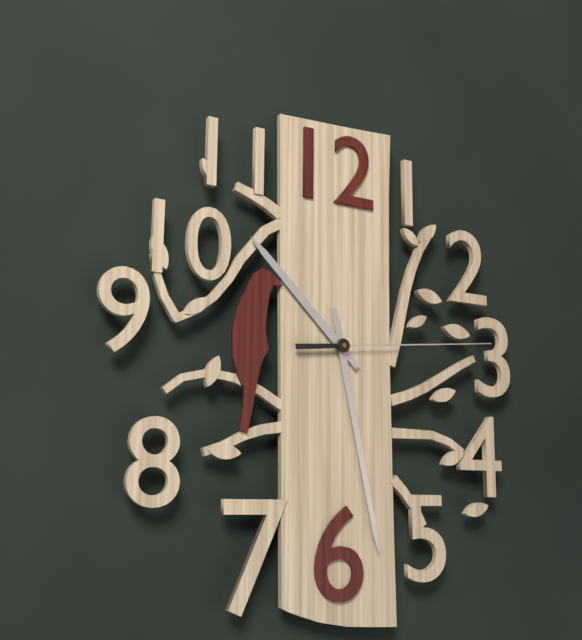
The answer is 10h28m14s
